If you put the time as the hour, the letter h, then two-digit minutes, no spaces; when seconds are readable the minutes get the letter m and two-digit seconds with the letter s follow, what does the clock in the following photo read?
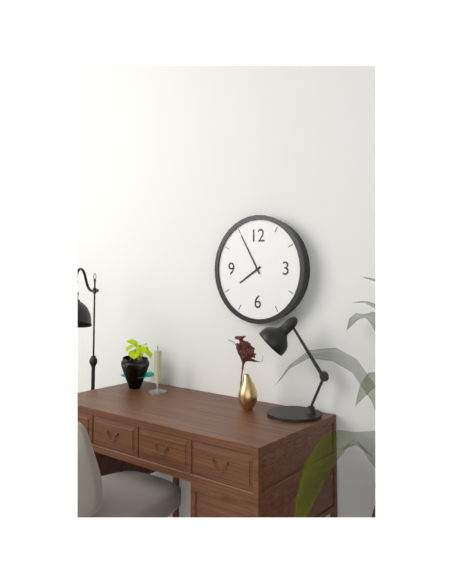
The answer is 7h55
